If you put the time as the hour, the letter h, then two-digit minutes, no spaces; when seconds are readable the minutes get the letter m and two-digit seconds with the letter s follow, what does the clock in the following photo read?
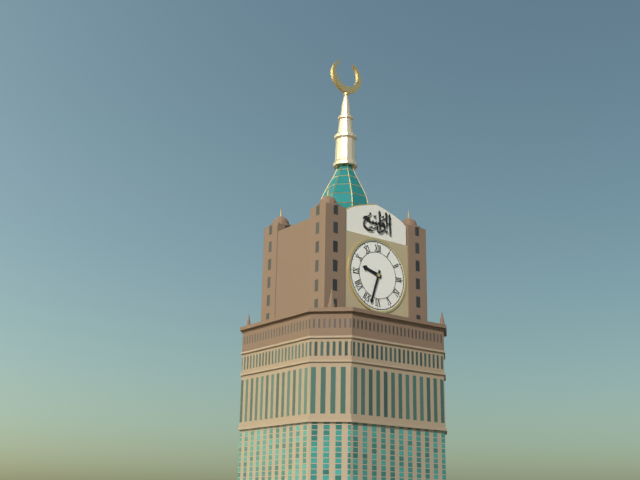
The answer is 9h33
